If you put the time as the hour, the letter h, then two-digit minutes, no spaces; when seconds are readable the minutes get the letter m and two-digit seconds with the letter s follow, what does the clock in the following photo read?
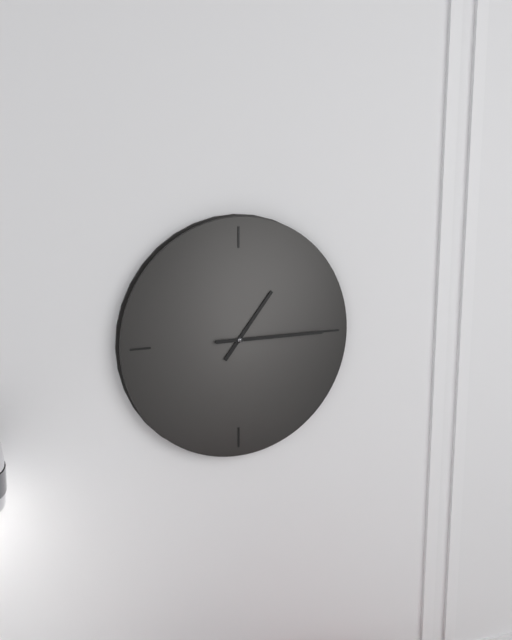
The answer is 1h15
